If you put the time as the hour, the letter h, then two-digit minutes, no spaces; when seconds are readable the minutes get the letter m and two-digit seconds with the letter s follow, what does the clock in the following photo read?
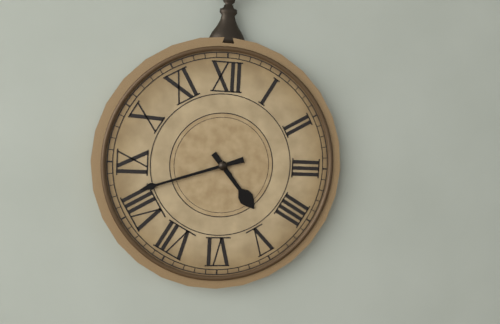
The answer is 4h42
